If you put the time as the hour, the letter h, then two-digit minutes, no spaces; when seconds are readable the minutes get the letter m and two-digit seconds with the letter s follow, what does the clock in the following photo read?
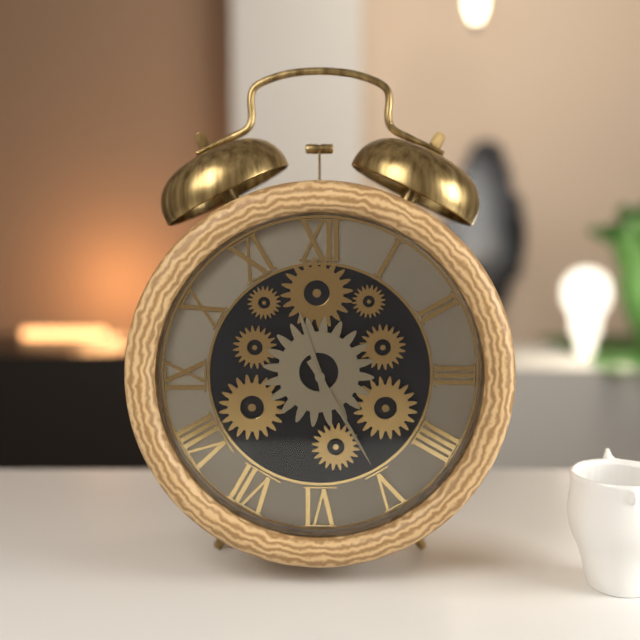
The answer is 11h25
